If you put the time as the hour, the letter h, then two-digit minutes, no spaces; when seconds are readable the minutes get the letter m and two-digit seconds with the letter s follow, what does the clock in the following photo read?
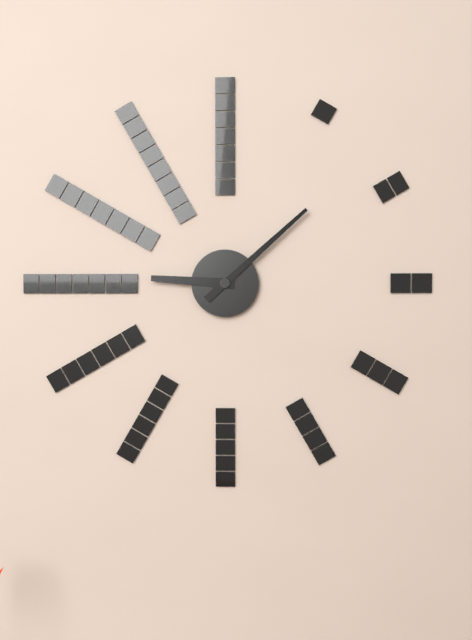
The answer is 9h08
